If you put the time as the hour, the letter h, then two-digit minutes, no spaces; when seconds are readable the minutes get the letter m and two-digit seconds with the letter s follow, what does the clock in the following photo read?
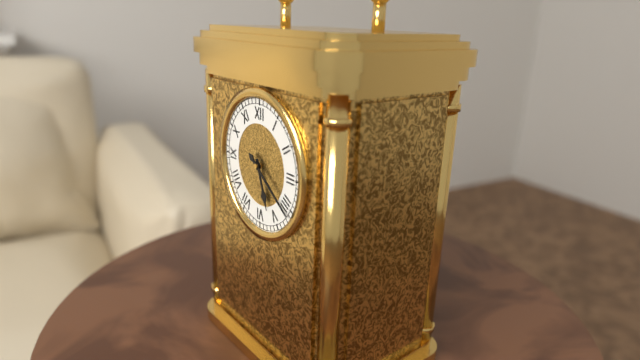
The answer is 5h21
